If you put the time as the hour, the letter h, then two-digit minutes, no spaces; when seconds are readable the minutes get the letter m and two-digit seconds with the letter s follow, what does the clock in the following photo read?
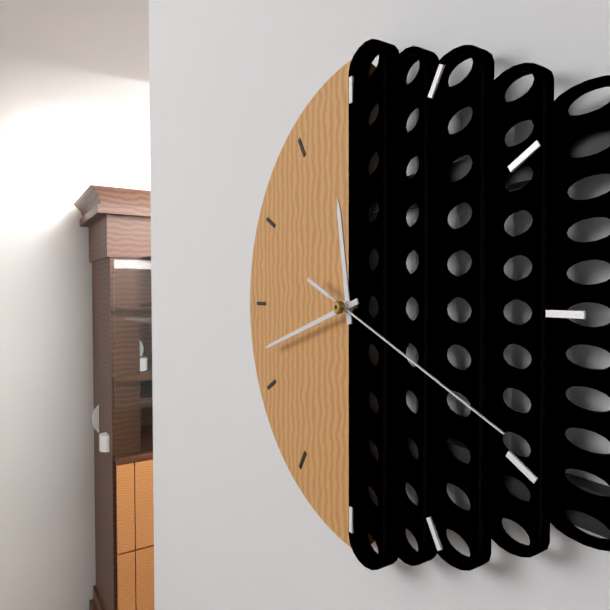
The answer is 11h42m19s
